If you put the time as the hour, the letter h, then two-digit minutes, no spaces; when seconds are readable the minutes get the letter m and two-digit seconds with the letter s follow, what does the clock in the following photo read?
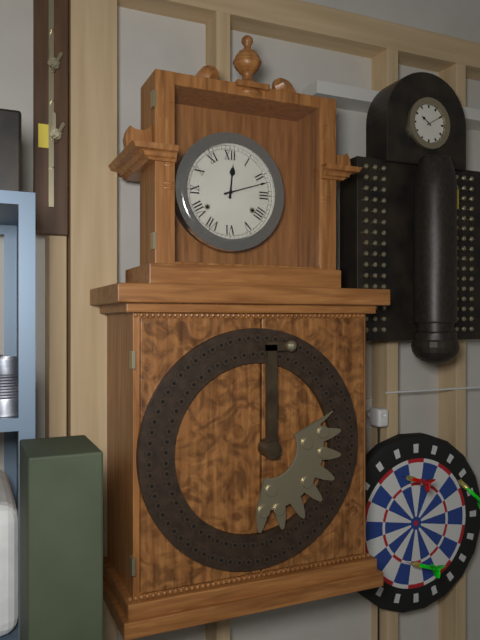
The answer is 12h12
